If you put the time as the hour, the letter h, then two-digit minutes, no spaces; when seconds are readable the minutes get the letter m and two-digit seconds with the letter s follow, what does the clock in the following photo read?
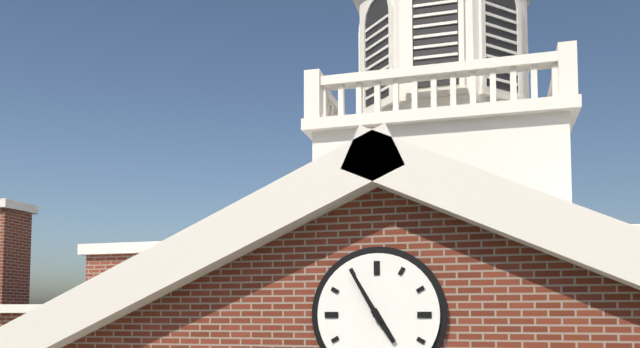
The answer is 4h55
